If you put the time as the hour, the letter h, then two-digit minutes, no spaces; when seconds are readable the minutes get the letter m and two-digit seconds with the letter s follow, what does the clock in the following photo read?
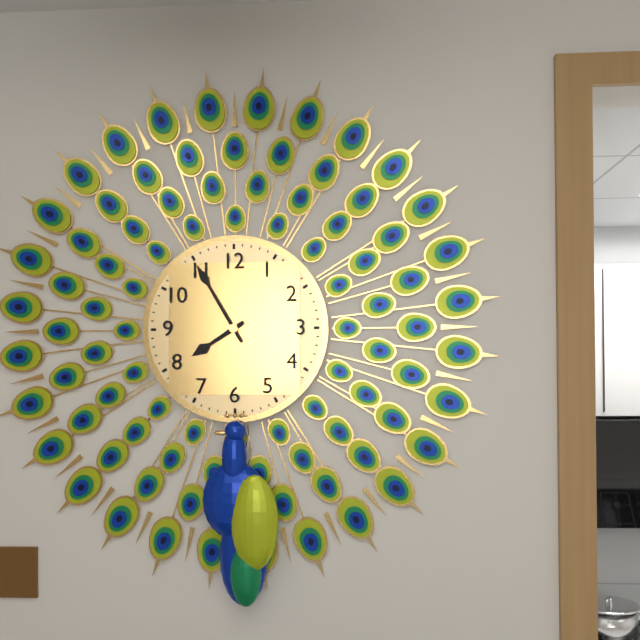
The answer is 7h55
